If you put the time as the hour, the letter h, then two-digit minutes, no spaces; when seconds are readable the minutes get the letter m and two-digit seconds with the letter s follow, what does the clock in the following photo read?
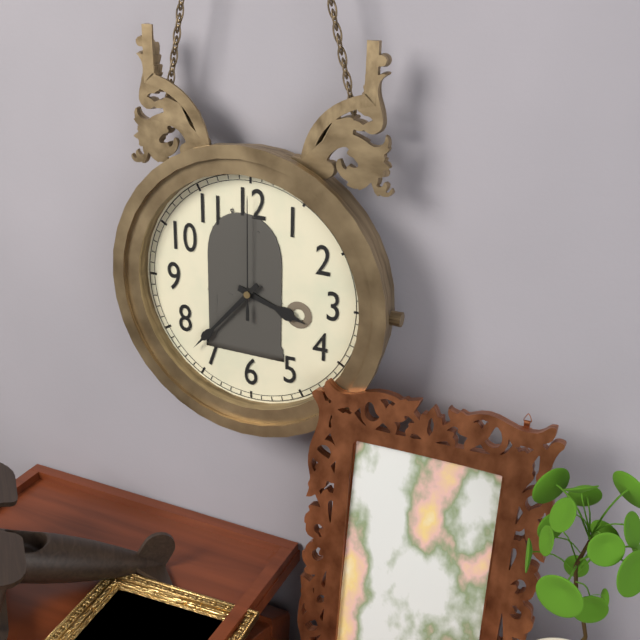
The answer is 3h37m00s
